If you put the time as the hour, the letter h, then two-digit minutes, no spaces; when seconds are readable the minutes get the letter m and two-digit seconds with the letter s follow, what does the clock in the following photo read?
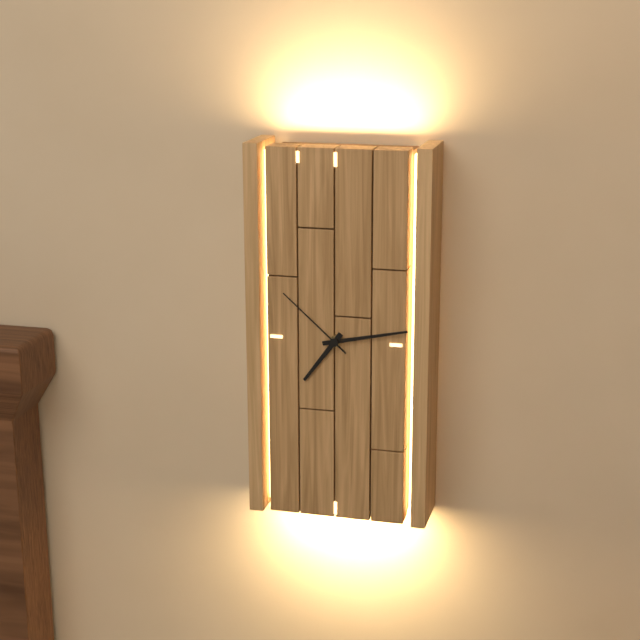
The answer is 7h13m52s
